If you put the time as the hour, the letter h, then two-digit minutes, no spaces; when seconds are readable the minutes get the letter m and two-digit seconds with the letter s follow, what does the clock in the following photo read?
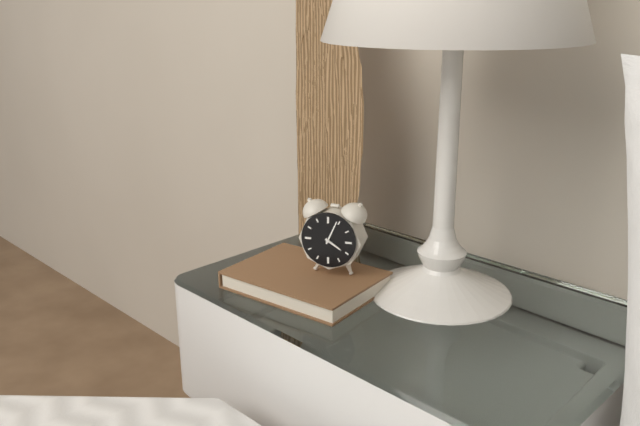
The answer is 4h04
